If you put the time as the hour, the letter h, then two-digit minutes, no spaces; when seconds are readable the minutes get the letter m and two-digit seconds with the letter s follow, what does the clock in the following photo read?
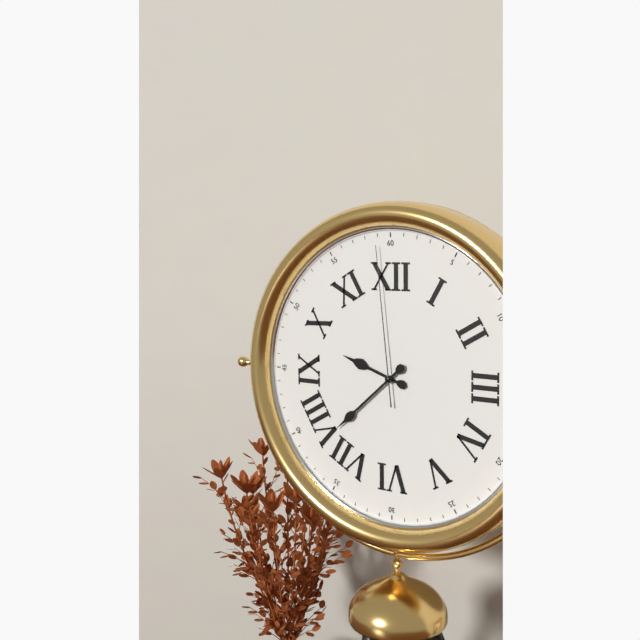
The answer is 9h38m59s
